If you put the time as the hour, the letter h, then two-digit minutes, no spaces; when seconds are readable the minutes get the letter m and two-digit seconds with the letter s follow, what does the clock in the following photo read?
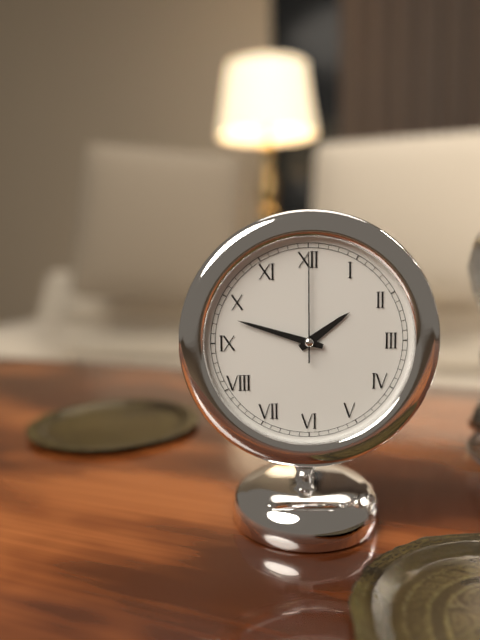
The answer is 1h48m00s
